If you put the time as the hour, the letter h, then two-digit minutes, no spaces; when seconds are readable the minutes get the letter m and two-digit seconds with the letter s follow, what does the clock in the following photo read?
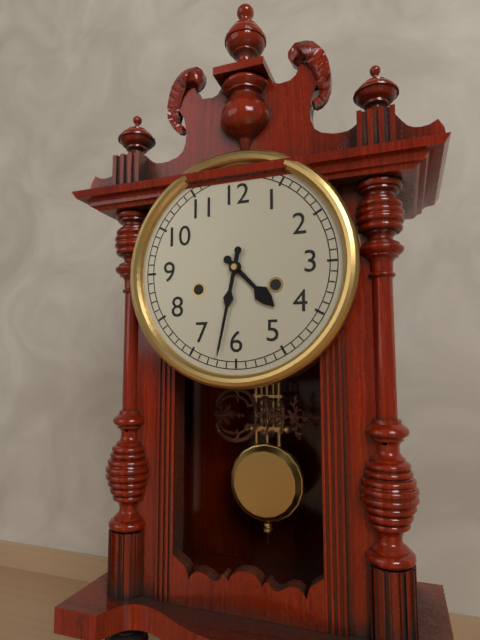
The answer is 4h32
